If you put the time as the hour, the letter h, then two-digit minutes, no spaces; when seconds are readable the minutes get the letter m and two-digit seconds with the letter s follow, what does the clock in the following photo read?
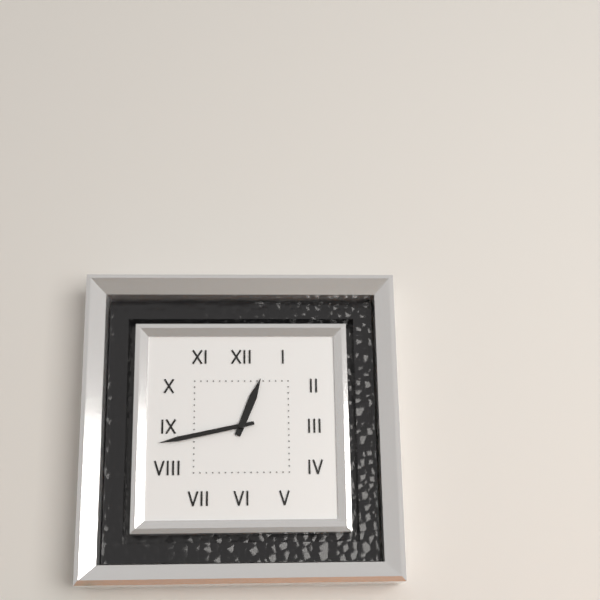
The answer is 12h43
